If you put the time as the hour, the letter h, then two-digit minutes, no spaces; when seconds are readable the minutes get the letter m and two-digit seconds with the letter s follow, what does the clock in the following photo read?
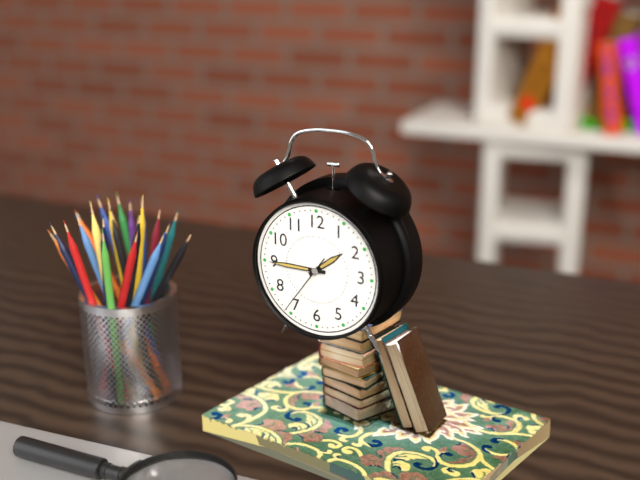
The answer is 1h45m36s
